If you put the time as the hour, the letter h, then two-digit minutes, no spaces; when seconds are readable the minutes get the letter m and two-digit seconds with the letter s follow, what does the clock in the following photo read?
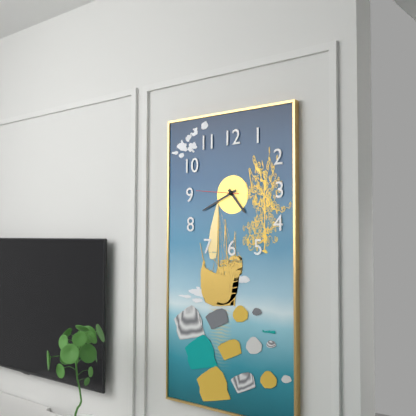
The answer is 4h41
